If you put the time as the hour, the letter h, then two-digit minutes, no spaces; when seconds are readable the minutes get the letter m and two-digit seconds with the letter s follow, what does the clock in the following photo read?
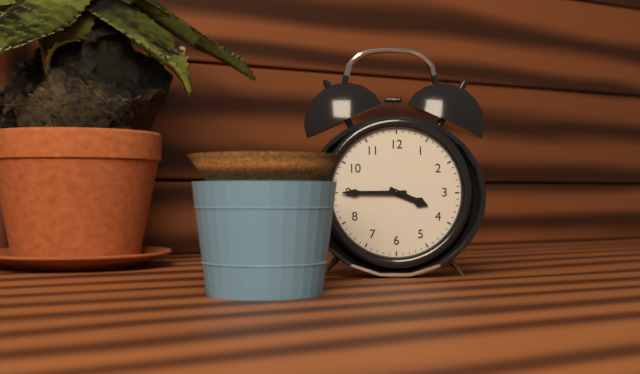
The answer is 3h45
